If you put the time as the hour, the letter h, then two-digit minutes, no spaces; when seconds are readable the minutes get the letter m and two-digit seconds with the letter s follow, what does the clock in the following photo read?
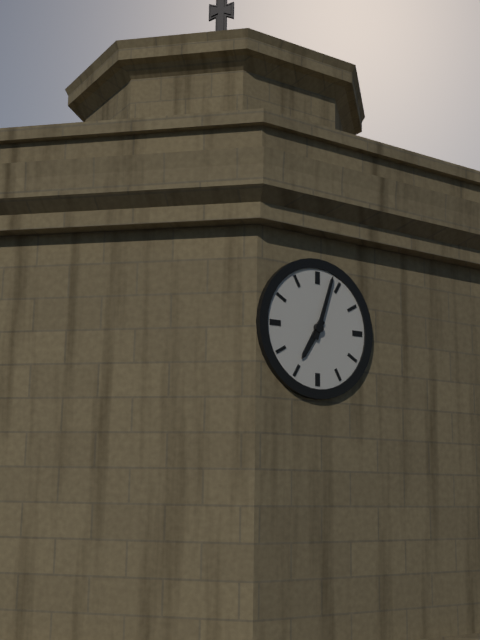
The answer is 7h03
